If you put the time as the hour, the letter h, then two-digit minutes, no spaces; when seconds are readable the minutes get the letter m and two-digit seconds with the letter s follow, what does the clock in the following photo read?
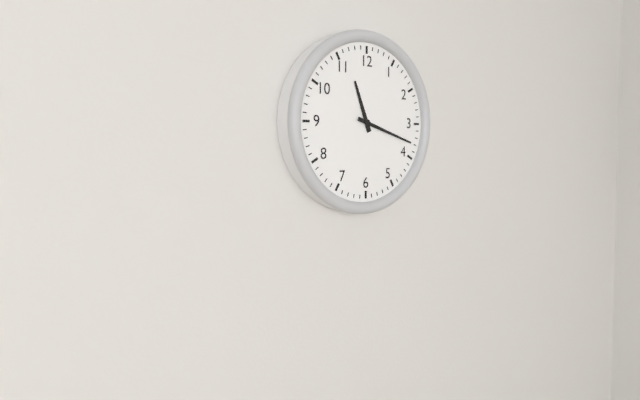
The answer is 11h18
